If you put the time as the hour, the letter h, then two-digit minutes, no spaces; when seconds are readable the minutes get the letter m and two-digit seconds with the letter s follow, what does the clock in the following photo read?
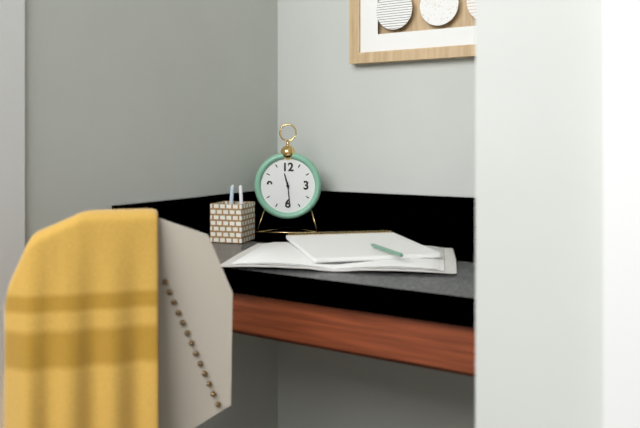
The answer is 11h29
